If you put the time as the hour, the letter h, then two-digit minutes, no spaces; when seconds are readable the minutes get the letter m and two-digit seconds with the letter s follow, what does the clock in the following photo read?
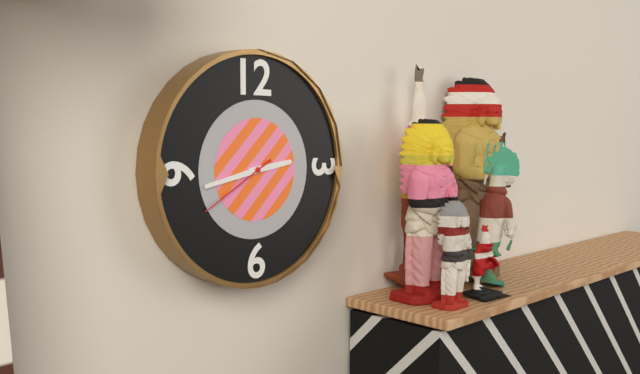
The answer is 2h43m40s
